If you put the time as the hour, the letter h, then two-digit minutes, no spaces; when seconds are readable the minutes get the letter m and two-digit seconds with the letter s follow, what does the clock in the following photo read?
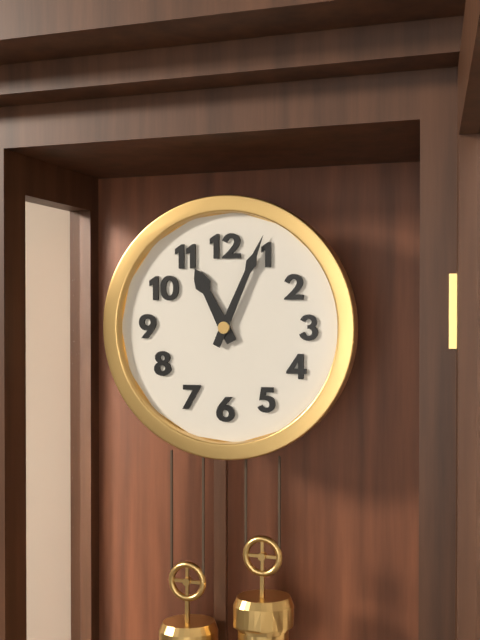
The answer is 11h04
